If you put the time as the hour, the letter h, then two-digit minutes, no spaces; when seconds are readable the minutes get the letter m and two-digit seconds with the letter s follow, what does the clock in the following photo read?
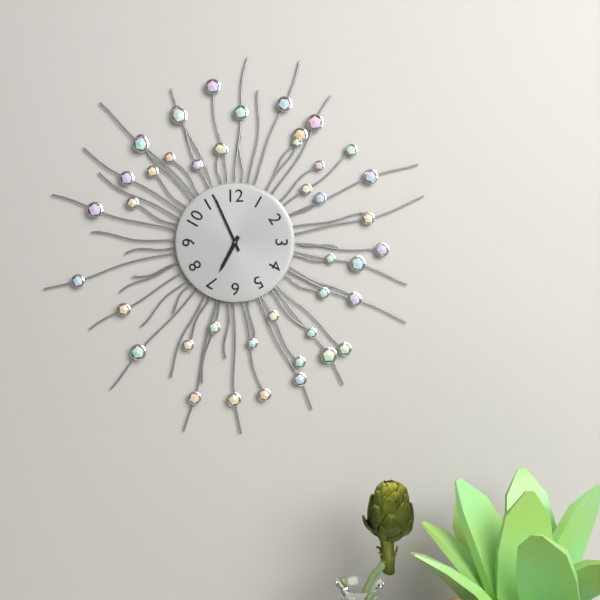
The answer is 6h56
